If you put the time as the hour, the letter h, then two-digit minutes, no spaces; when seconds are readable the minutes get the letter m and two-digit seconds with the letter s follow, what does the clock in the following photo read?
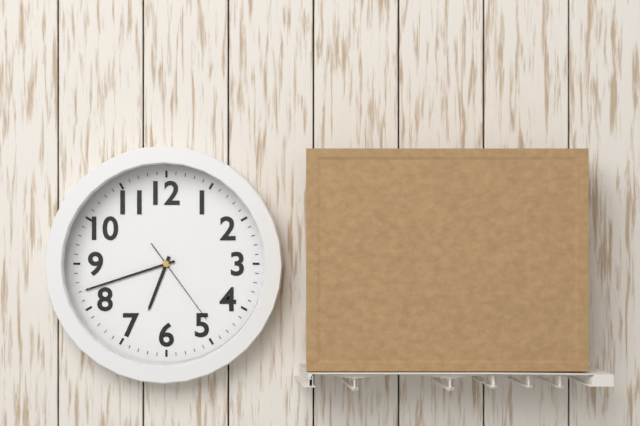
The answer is 6h42m24s
